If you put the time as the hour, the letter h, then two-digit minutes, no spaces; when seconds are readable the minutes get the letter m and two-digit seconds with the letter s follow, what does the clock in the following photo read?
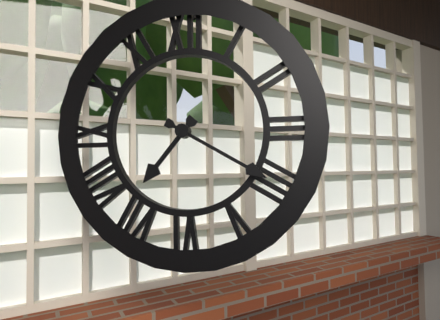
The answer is 7h20
